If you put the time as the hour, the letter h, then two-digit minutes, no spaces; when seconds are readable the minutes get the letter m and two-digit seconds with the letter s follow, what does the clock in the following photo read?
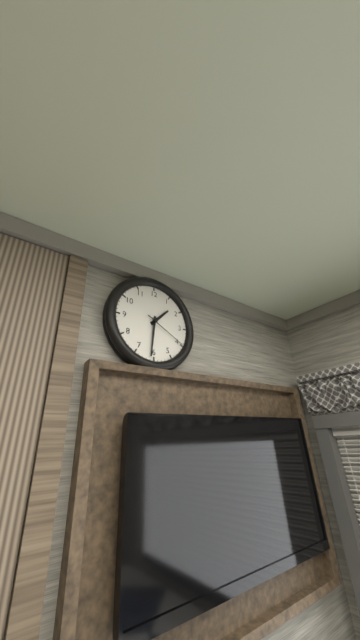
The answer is 1h31
